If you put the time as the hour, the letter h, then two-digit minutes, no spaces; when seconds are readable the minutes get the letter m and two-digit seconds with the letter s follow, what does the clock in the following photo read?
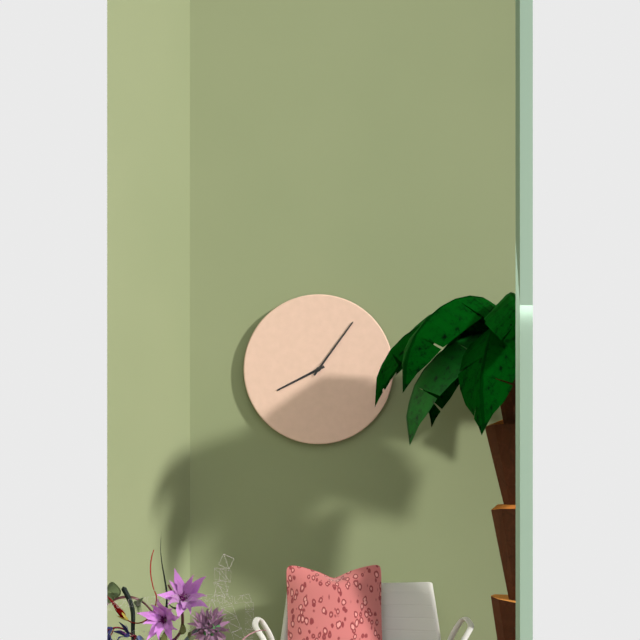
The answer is 8h06
